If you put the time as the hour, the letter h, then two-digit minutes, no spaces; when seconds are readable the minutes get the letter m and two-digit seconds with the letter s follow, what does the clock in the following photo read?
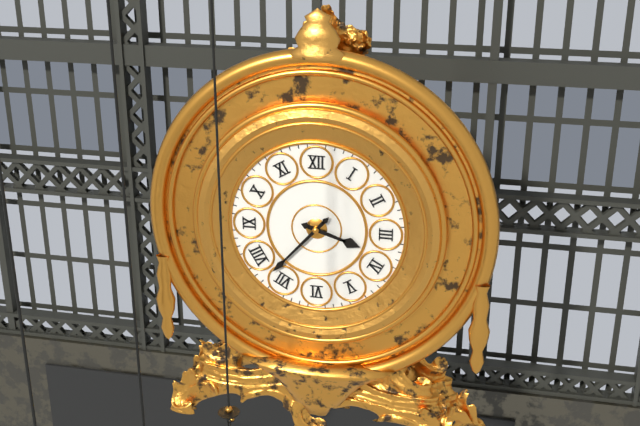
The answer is 3h37
